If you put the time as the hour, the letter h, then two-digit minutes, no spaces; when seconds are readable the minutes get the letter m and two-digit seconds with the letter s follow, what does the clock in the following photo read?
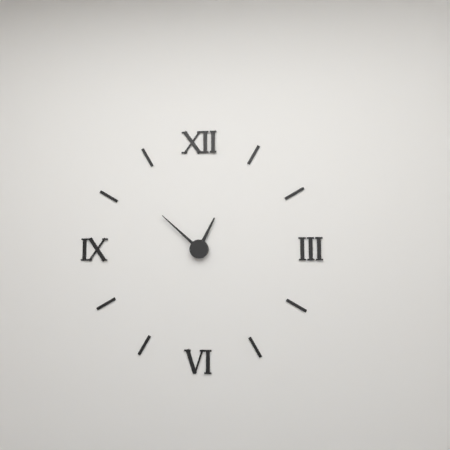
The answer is 12h52
